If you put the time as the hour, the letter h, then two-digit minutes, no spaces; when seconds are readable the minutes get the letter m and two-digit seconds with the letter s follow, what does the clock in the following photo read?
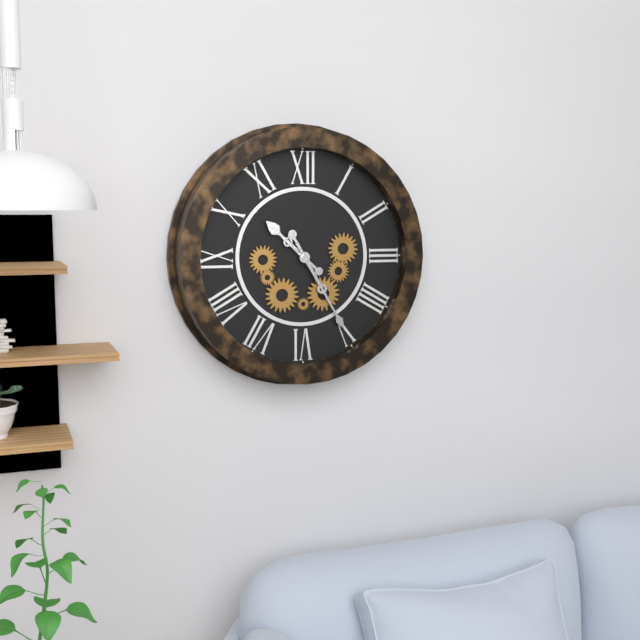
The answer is 10h25
